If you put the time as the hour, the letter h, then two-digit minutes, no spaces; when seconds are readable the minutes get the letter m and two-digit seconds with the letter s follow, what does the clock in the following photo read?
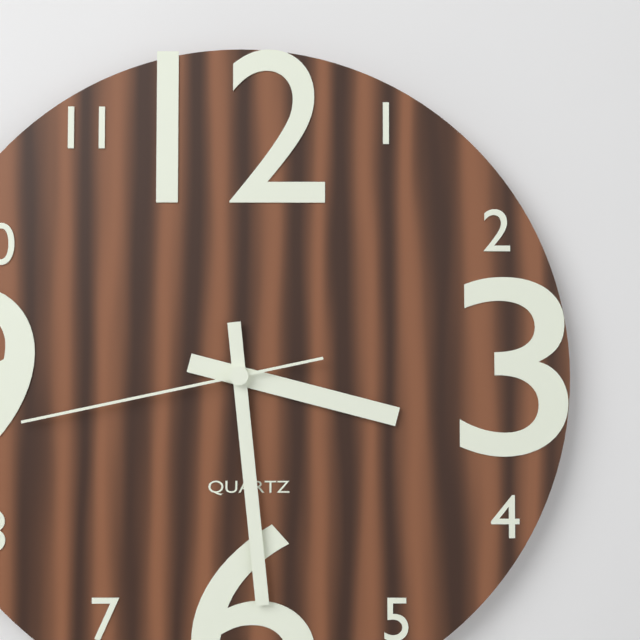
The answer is 3h29m43s
